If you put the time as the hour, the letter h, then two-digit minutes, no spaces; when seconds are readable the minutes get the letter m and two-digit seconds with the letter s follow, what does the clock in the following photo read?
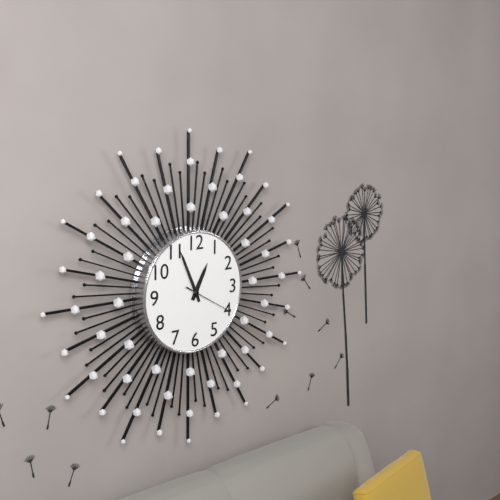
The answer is 12h56m20s
